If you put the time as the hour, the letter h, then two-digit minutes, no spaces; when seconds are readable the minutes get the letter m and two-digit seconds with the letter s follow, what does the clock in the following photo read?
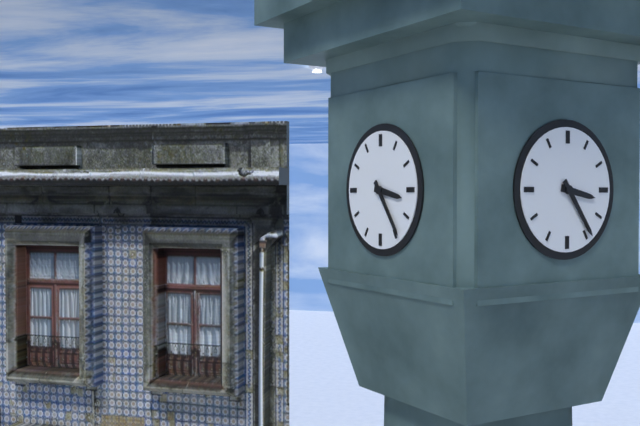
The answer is 3h24
